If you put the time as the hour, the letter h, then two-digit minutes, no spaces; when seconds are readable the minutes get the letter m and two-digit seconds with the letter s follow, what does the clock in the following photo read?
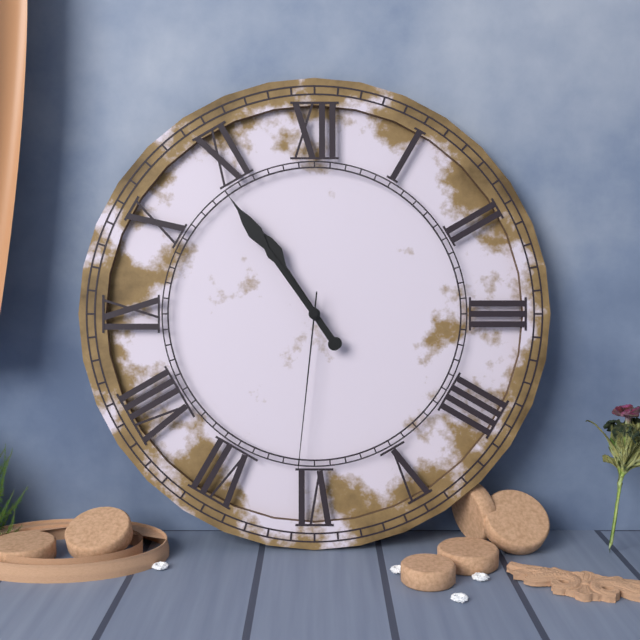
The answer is 10h54m31s
